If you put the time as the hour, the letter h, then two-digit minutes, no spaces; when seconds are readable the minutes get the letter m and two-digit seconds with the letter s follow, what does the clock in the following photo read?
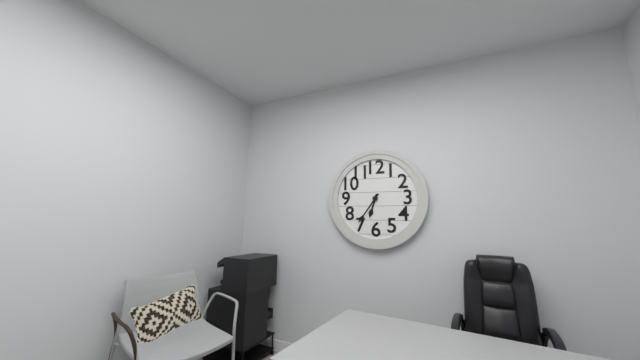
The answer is 6h36
